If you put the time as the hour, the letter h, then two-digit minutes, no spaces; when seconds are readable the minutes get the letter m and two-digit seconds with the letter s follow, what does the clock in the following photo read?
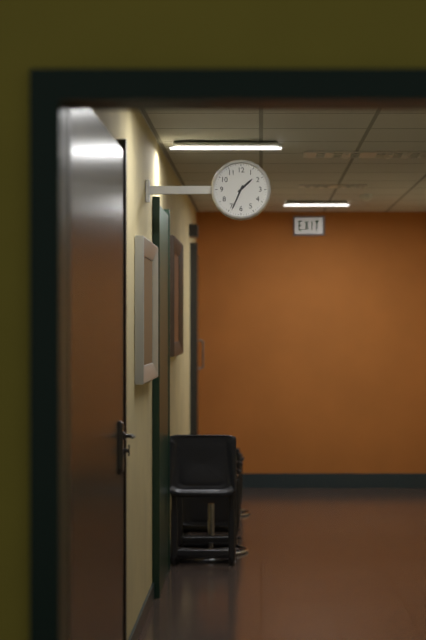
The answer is 1h34
